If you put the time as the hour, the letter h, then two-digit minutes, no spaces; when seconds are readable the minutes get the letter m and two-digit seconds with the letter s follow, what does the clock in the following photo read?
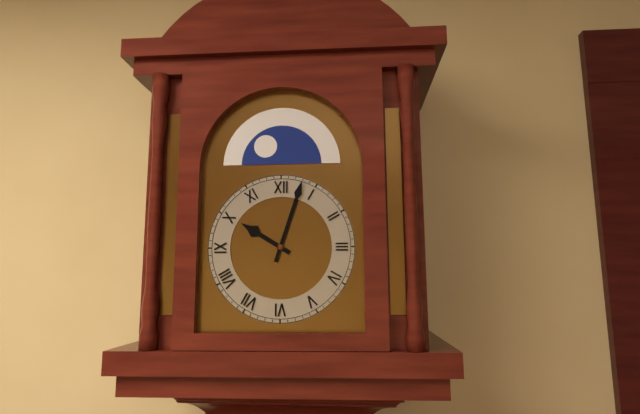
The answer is 10h03
